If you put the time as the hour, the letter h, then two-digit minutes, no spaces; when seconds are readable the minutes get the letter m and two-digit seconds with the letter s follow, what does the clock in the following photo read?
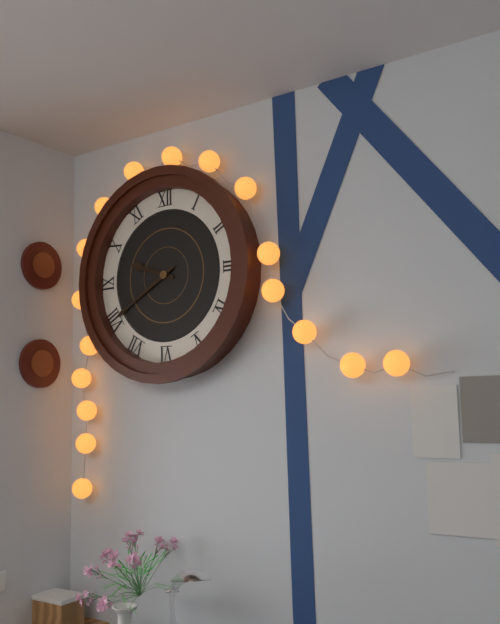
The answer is 9h40
